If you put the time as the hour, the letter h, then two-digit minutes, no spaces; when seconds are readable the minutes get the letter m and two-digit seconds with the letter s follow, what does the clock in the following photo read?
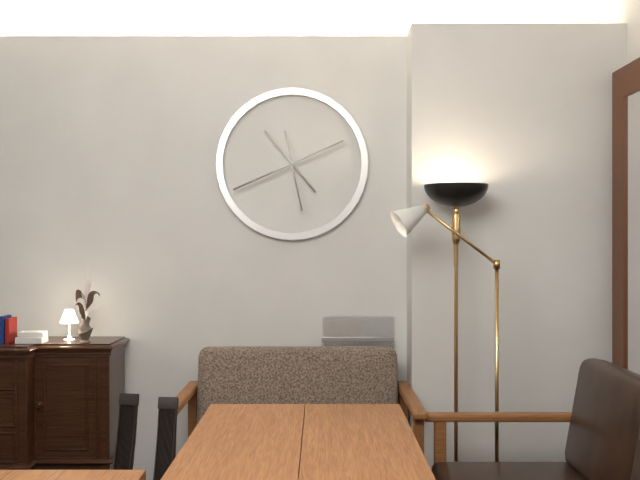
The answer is 10h41m28s
